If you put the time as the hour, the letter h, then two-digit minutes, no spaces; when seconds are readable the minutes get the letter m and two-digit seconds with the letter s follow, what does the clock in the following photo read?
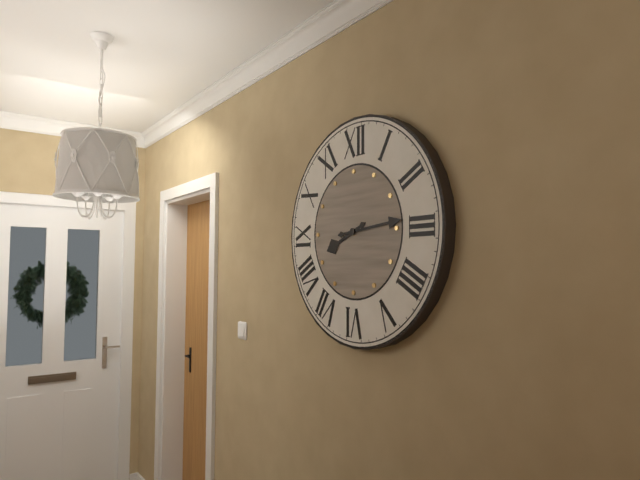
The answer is 8h14
